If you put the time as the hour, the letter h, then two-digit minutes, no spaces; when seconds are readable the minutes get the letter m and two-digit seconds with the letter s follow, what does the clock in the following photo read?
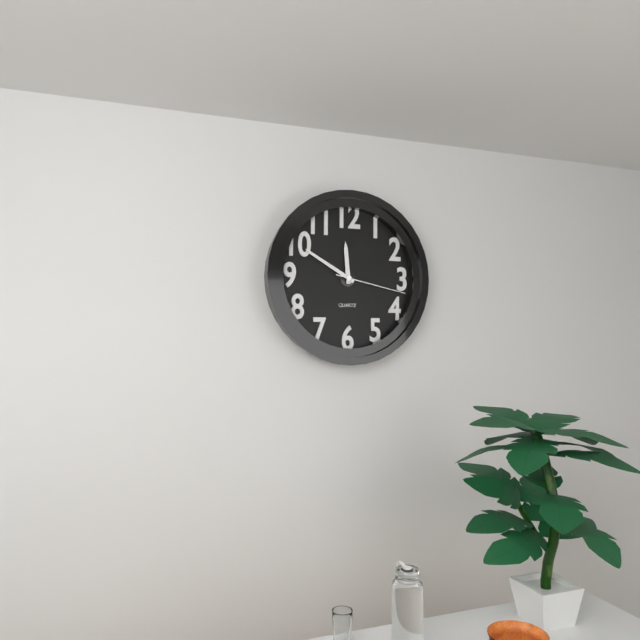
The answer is 11h50m17s
